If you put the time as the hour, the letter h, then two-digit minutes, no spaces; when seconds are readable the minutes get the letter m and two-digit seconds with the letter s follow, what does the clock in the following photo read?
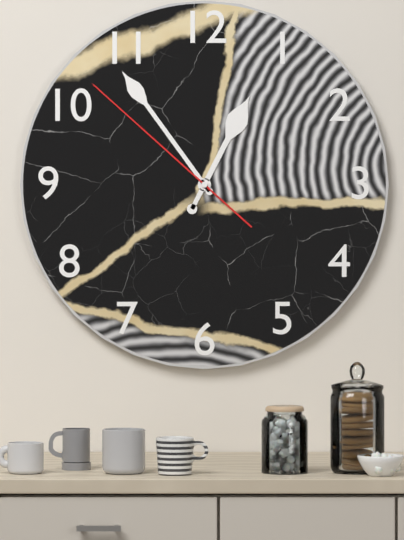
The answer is 12h54m52s
